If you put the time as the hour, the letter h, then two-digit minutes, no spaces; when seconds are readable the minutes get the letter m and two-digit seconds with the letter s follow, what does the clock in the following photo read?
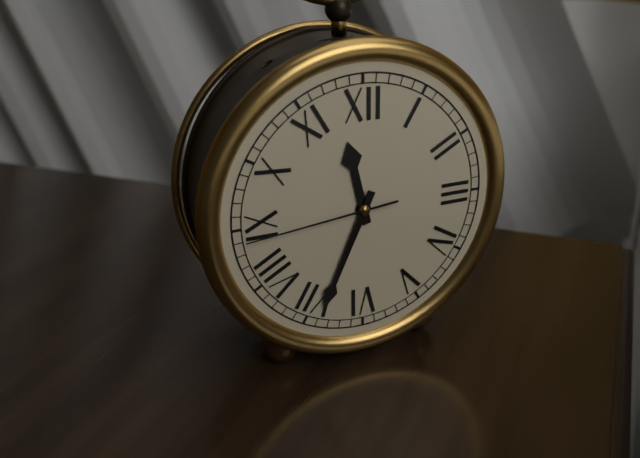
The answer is 11h34m44s
